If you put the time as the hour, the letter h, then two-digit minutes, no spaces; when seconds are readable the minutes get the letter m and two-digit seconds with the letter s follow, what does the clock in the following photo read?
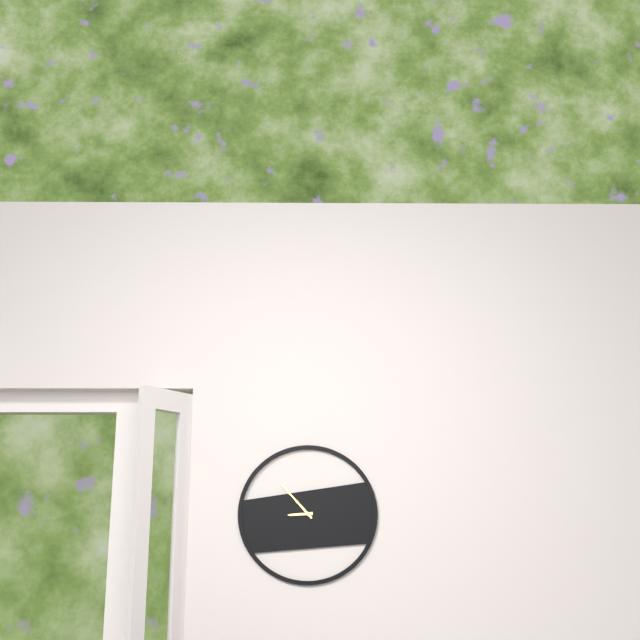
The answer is 8h53
